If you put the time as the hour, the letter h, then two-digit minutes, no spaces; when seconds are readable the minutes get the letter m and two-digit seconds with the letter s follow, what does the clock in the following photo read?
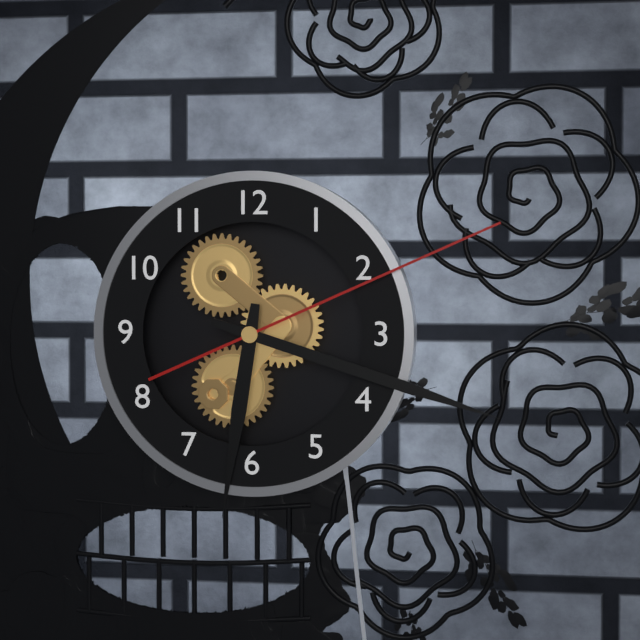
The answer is 6h18m11s
